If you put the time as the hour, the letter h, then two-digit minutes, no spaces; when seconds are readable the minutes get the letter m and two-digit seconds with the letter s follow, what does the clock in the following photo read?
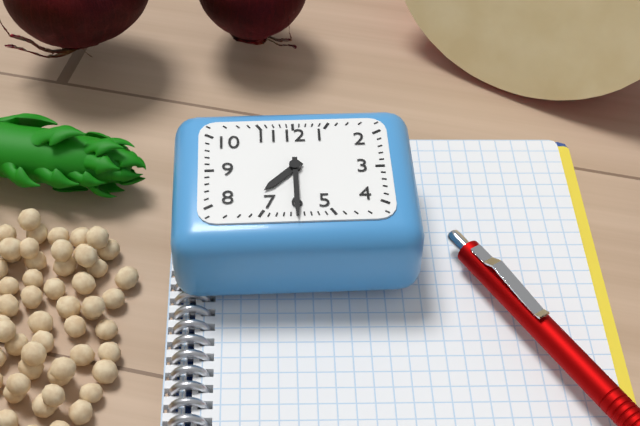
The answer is 7h30
